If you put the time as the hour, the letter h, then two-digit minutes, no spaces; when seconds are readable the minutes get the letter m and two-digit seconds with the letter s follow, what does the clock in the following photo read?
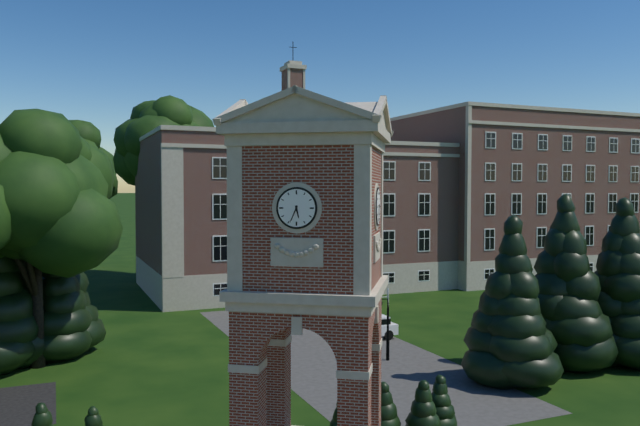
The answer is 5h34
